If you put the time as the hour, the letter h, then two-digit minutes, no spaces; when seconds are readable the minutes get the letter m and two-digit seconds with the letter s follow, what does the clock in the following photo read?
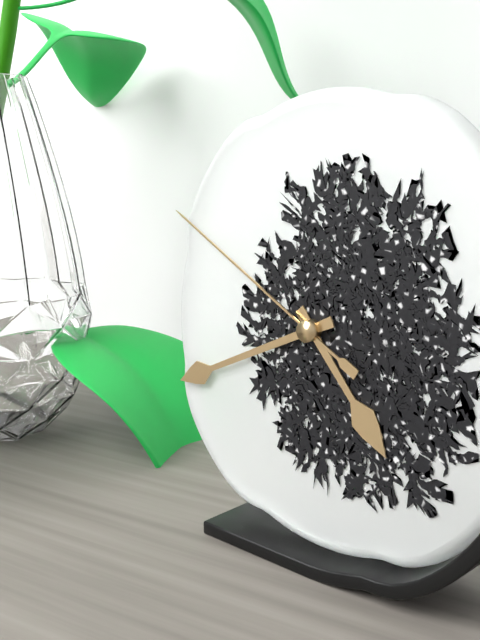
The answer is 4h41m50s
